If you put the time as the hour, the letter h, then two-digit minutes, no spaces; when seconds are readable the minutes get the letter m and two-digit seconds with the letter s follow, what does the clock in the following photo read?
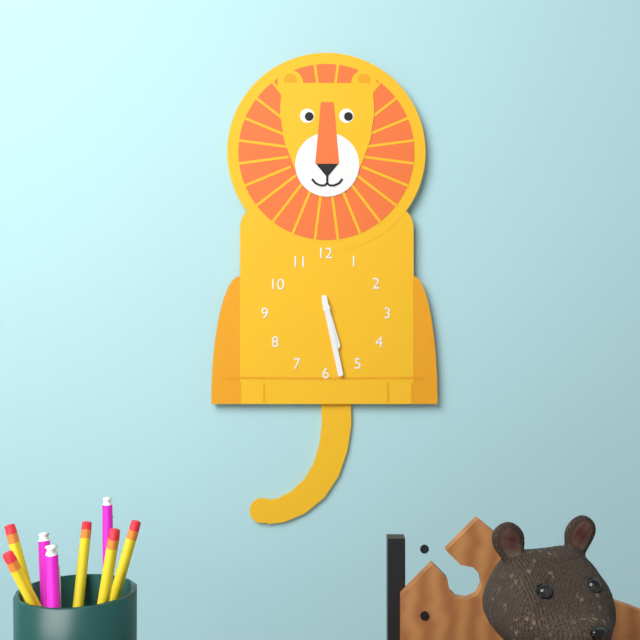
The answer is 5h28
